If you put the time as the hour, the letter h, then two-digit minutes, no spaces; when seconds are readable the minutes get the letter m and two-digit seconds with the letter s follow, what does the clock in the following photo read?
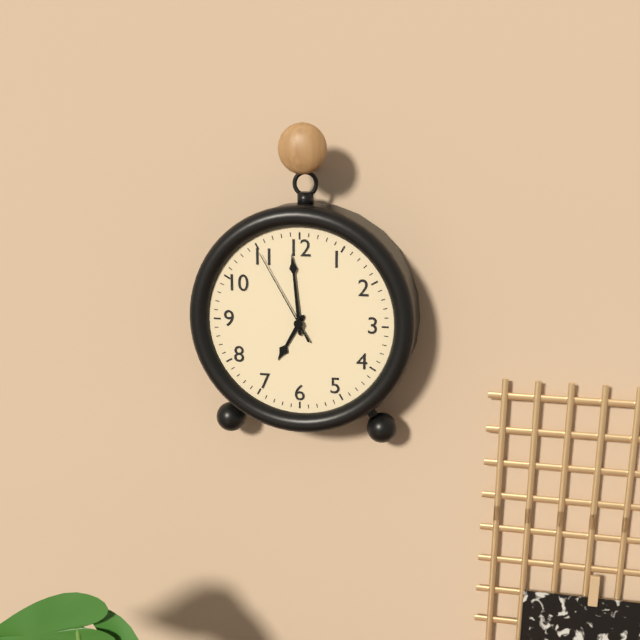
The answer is 6h59m55s
